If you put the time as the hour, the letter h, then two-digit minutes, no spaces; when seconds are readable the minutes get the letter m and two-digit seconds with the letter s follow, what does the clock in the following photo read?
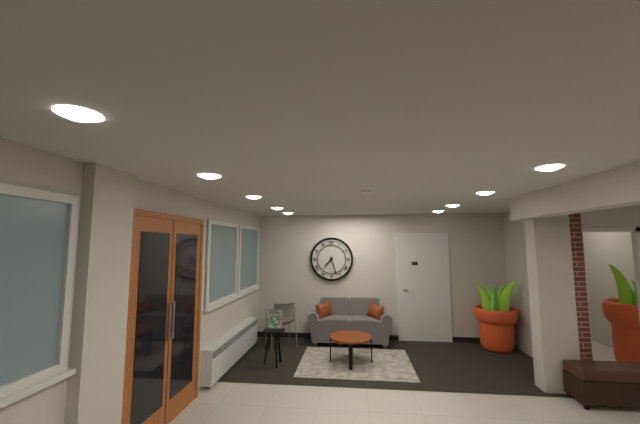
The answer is 7h27
